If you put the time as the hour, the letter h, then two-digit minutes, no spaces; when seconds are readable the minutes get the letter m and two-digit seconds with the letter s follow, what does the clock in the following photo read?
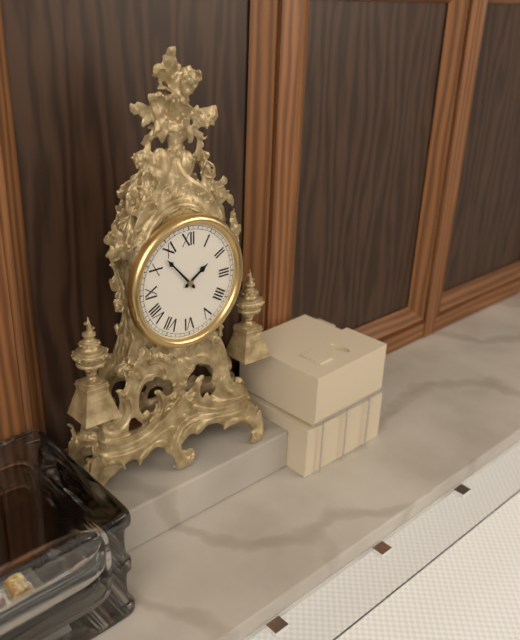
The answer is 1h53
